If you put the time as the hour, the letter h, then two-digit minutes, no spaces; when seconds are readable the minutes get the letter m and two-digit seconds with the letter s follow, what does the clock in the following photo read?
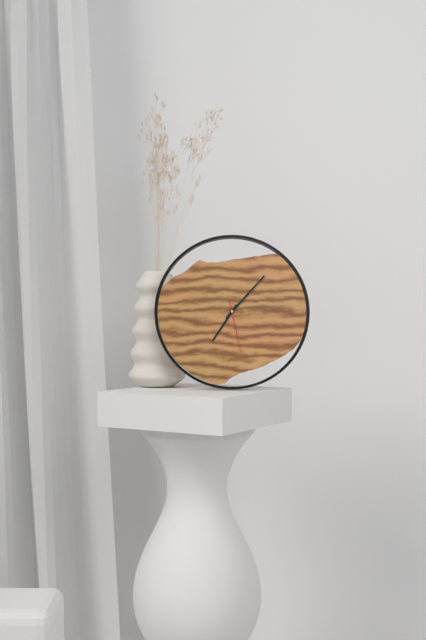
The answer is 7h07m28s
